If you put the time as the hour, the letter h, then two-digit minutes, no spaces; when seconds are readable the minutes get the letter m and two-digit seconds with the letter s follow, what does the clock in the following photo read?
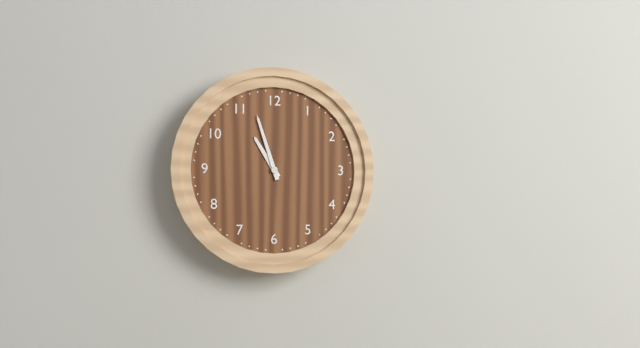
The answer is 10h57
